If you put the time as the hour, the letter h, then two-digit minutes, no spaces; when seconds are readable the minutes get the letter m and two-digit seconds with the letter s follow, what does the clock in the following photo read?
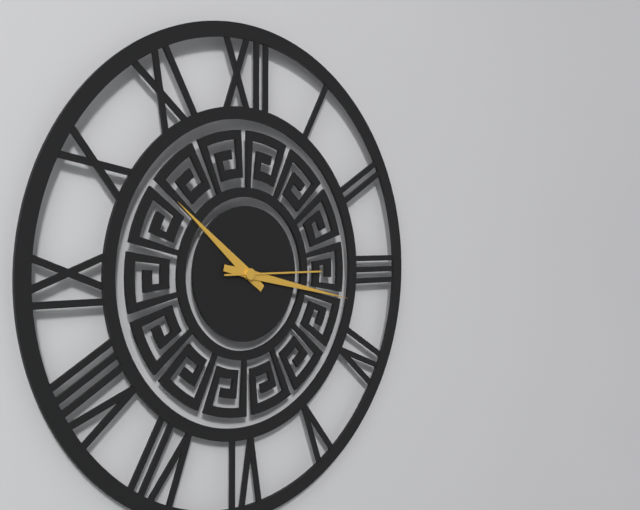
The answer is 10h17m15s
